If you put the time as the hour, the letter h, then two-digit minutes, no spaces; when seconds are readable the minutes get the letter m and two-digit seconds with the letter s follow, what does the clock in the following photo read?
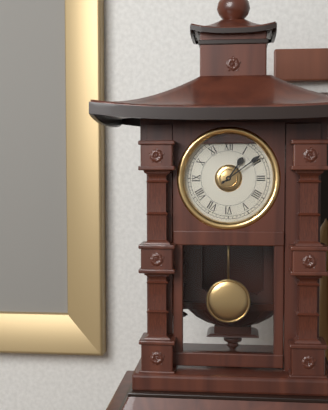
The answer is 1h09
